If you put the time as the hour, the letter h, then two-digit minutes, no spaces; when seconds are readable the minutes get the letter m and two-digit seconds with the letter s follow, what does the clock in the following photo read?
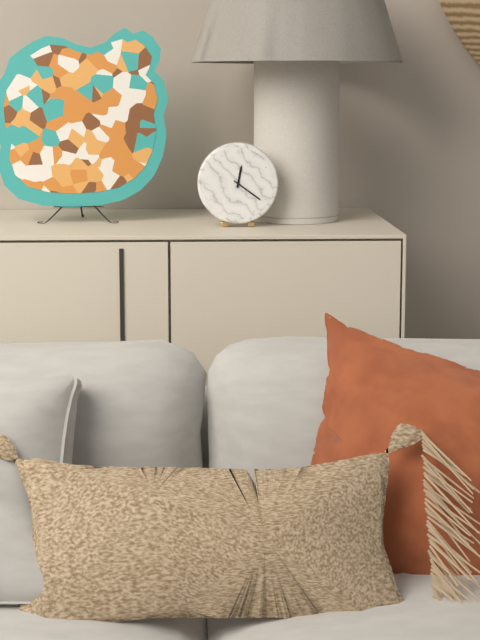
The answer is 12h21
